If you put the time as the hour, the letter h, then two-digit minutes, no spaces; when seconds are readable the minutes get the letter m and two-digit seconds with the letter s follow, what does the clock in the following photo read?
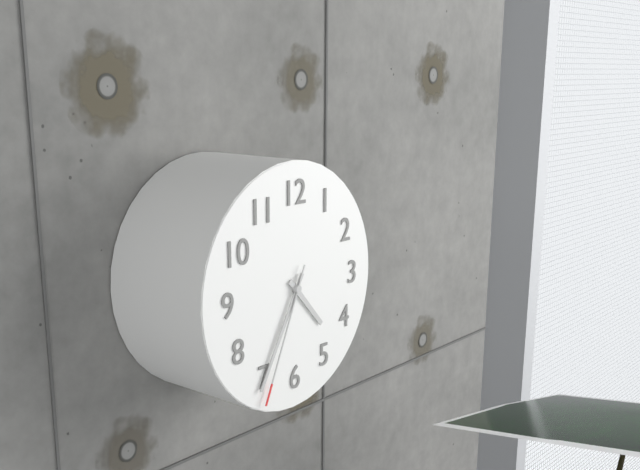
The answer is 4h35m34s
